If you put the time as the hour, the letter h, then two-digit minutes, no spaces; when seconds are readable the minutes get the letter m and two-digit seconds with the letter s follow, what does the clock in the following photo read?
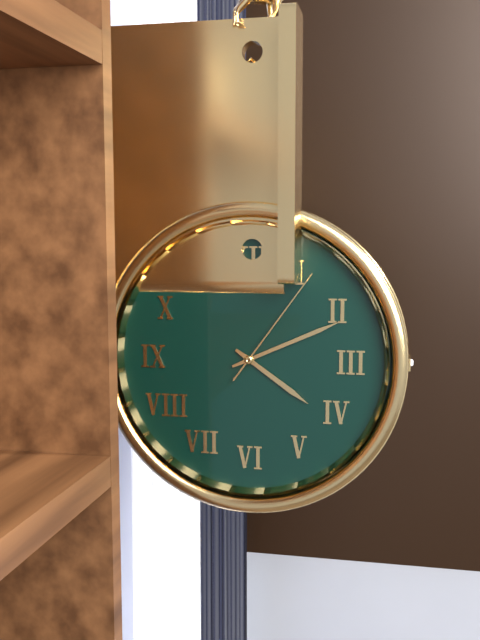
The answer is 4h11m06s
